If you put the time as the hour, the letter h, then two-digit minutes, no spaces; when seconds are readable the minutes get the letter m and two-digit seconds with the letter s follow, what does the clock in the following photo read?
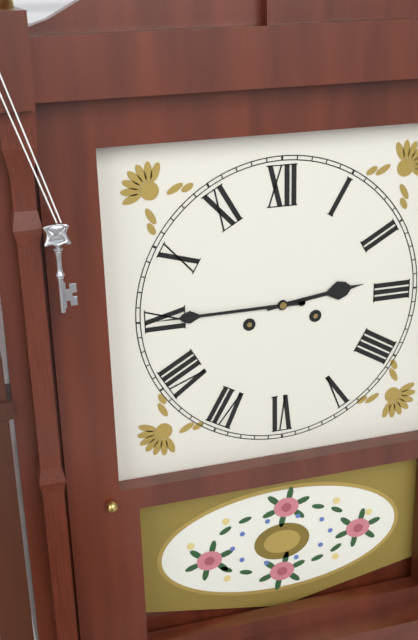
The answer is 2h45
